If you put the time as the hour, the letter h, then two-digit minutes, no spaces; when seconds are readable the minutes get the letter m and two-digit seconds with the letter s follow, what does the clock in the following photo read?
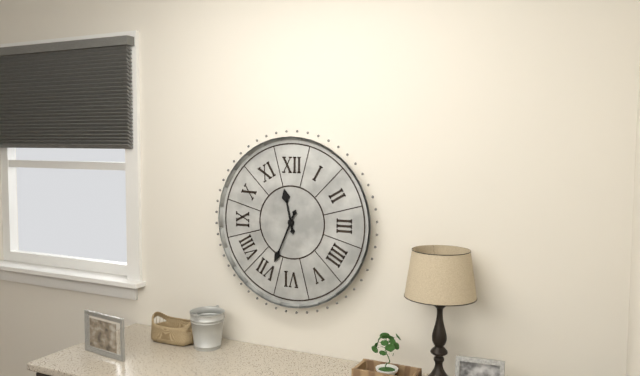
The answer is 11h34
